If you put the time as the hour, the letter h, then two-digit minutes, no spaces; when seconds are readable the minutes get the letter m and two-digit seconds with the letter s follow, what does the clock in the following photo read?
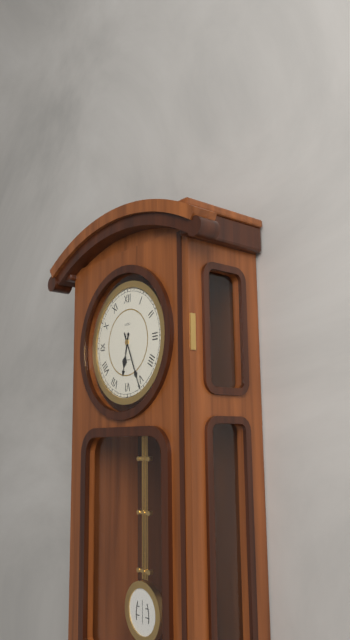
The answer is 6h26
